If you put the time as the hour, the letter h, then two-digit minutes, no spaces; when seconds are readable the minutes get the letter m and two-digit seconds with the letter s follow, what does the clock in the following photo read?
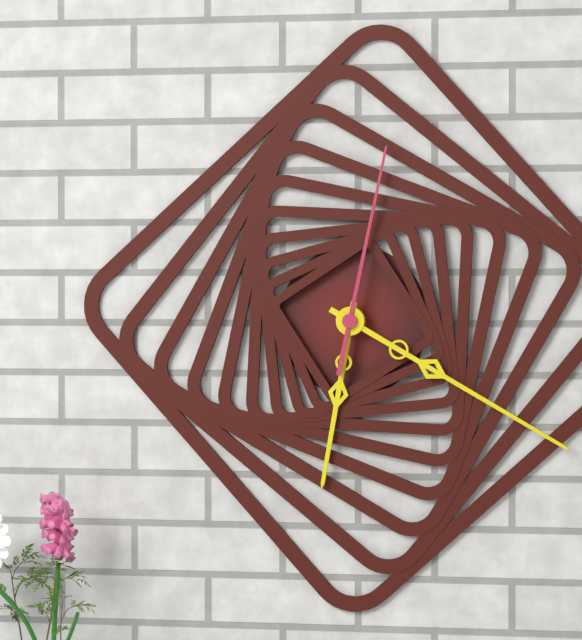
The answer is 6h20m02s
